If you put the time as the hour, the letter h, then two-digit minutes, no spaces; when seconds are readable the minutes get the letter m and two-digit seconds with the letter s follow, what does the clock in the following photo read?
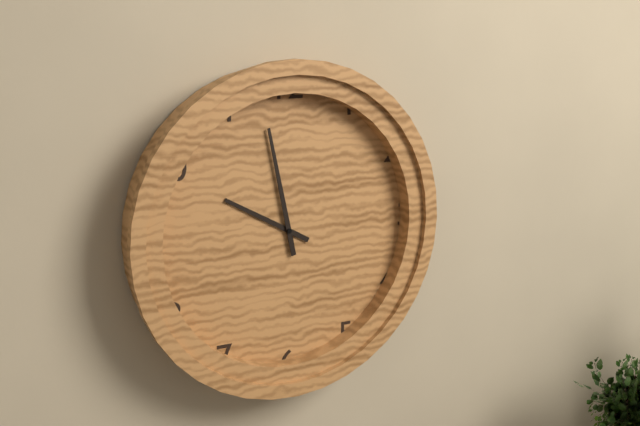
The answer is 9h58
